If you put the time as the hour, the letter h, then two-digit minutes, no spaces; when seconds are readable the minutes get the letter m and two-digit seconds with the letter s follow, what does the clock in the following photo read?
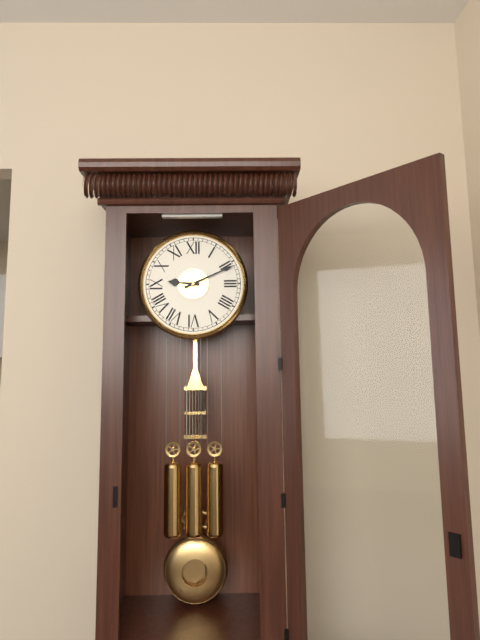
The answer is 9h11
